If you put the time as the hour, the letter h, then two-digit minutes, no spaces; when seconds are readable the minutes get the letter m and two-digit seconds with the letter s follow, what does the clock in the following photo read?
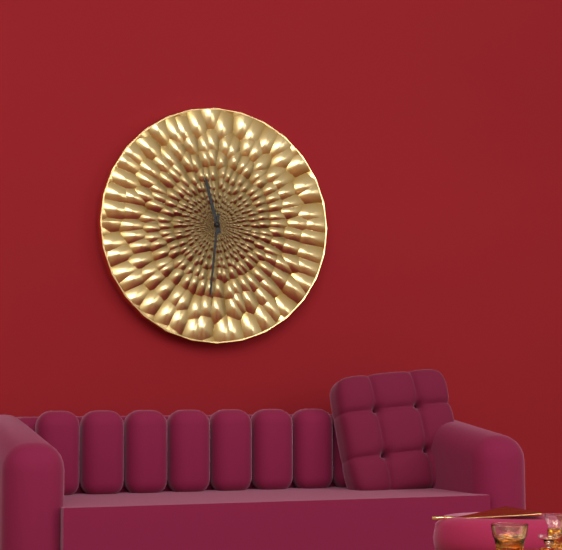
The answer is 11h31
